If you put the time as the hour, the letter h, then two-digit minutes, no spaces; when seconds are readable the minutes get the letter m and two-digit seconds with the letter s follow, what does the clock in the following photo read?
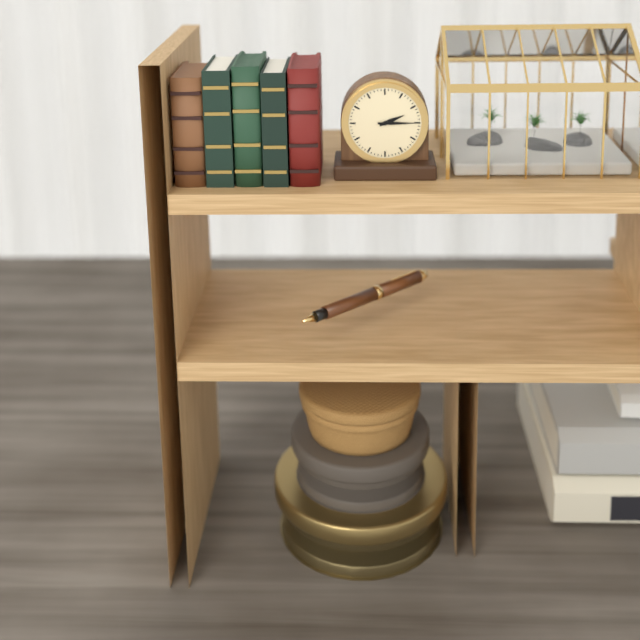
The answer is 2h15
